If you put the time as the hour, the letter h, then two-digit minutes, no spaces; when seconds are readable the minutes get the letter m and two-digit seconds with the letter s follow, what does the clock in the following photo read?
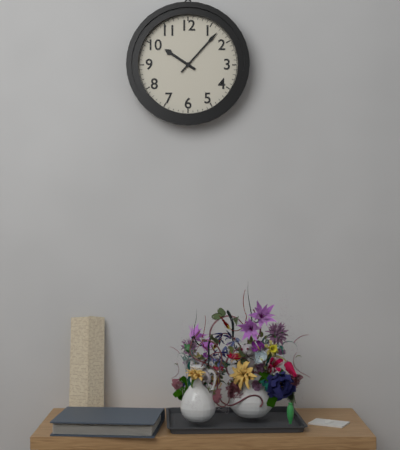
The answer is 10h07
